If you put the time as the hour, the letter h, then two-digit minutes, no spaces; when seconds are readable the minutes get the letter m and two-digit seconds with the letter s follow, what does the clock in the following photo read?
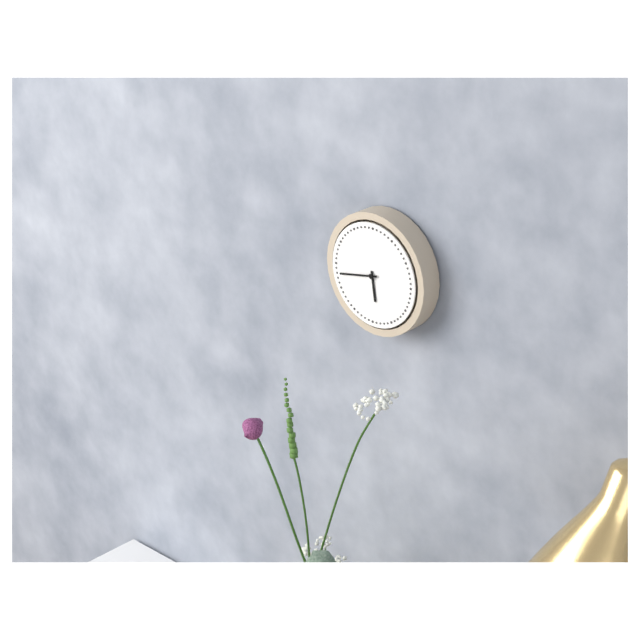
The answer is 5h43
